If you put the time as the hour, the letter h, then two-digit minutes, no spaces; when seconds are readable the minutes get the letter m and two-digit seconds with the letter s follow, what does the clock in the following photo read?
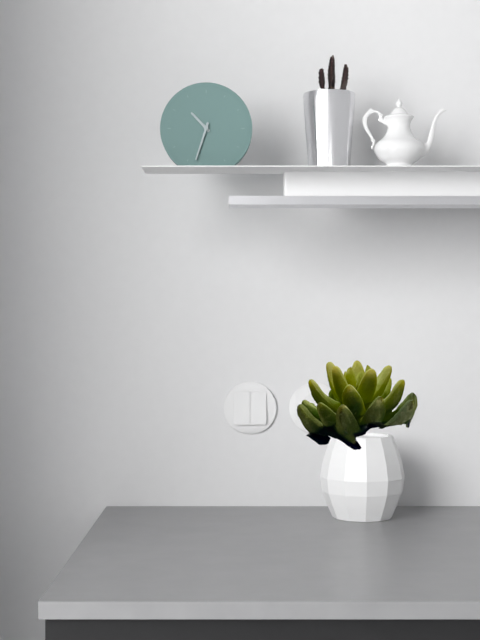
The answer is 10h33
